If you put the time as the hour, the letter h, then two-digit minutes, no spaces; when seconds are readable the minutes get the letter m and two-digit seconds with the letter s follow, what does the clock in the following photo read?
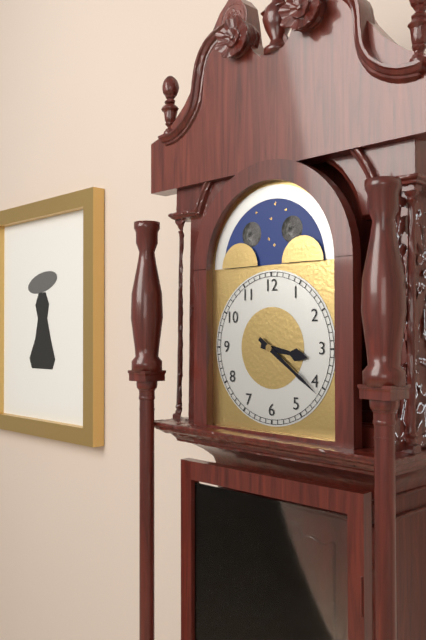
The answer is 3h21
